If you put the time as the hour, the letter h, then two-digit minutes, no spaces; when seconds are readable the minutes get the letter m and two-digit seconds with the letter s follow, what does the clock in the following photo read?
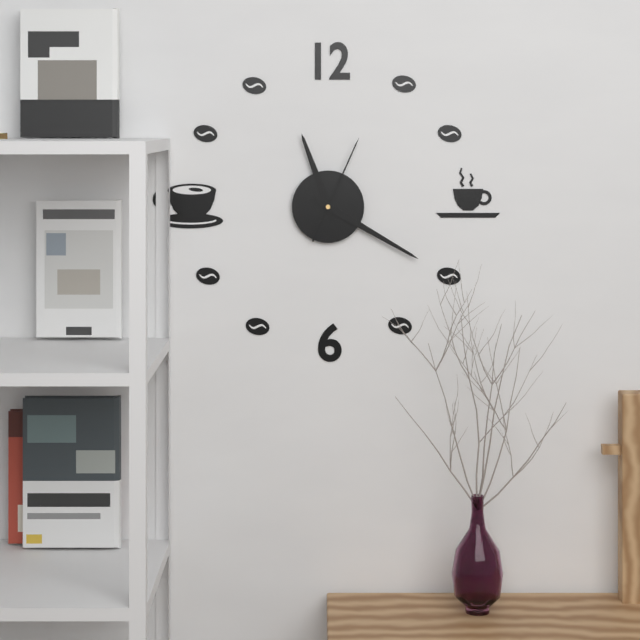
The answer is 11h20m04s
